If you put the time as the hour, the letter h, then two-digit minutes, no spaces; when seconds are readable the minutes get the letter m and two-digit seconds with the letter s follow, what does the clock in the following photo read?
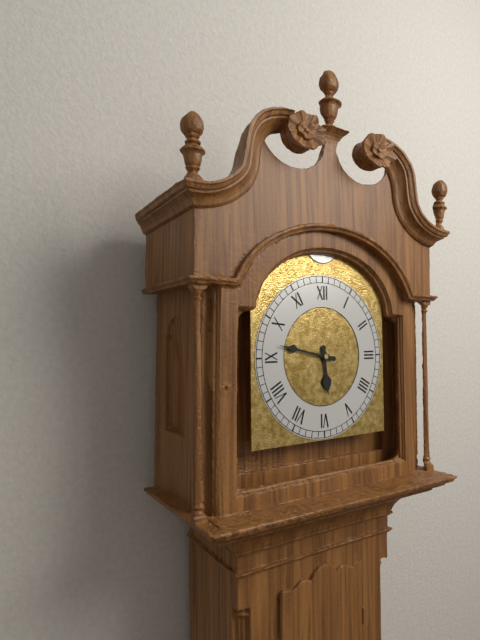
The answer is 5h47
